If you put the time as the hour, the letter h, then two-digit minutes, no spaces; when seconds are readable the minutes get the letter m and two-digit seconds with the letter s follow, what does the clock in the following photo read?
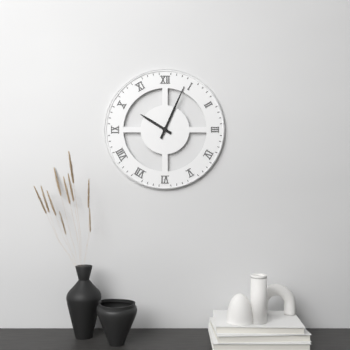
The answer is 10h04
